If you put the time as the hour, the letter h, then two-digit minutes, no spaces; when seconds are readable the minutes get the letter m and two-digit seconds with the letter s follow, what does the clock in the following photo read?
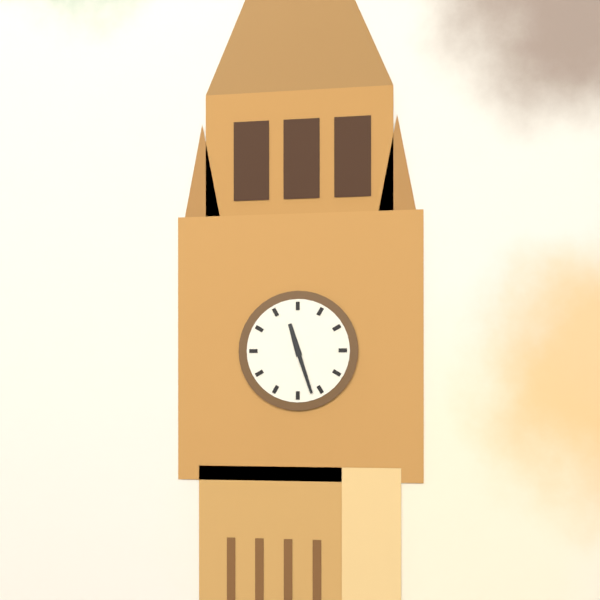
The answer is 11h27
